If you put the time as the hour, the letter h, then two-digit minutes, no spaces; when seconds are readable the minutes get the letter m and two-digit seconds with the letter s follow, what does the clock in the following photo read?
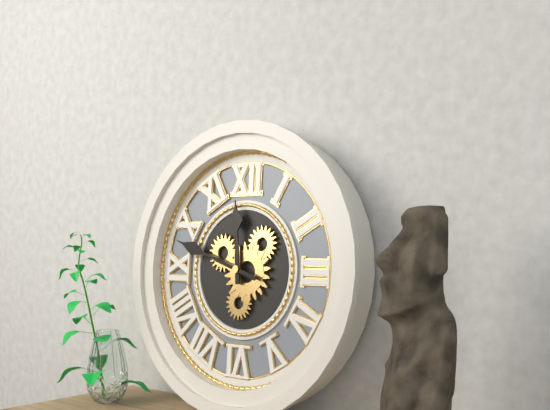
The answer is 11h48
